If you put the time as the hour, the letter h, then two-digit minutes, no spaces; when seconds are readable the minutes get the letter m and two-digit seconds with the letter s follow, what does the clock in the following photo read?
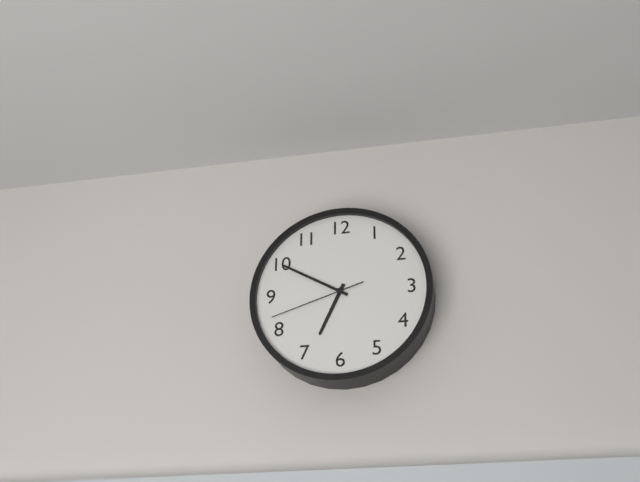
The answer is 6h50m42s
